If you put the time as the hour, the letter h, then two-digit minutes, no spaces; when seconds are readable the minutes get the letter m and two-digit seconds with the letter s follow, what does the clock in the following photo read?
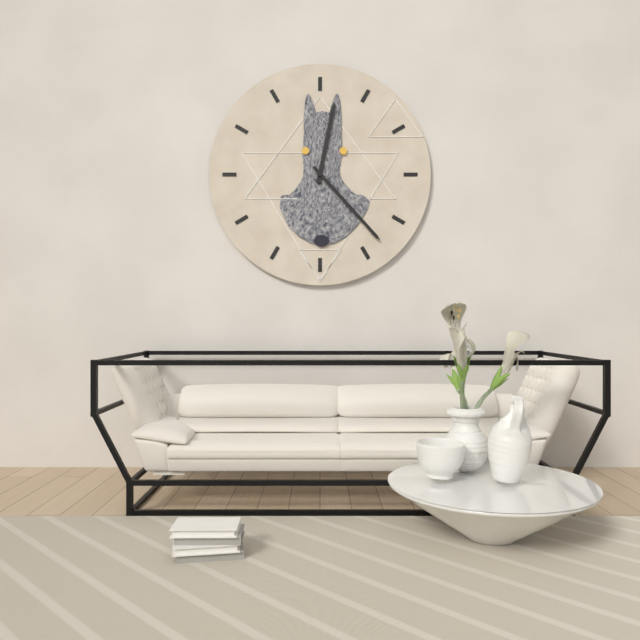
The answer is 12h23
